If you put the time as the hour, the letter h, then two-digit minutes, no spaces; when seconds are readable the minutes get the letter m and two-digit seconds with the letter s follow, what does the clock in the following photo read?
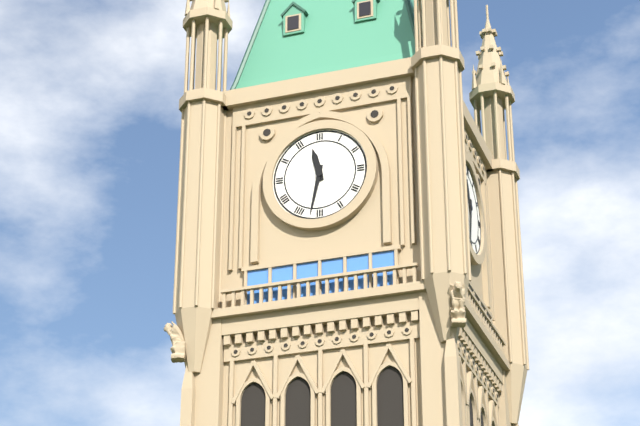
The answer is 11h32
